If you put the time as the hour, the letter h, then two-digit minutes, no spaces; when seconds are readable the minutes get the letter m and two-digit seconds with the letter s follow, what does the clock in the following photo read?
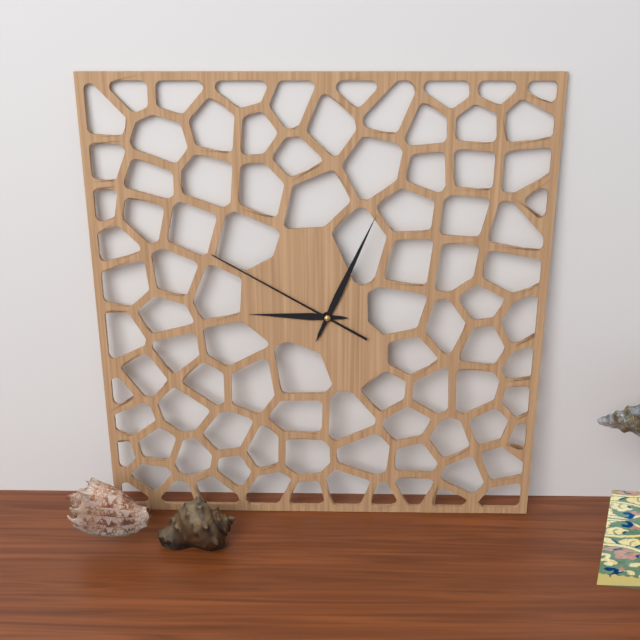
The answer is 9h04m50s
